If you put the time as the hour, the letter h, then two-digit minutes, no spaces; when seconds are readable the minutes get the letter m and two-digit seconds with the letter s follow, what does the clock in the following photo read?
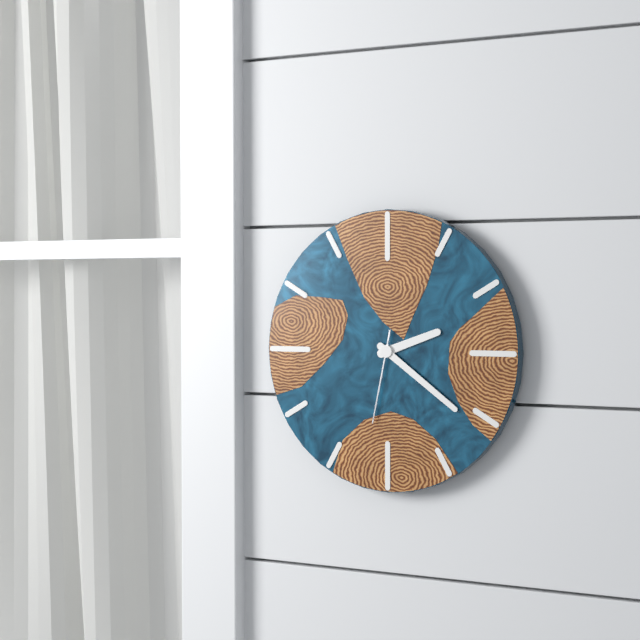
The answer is 2h21m32s
